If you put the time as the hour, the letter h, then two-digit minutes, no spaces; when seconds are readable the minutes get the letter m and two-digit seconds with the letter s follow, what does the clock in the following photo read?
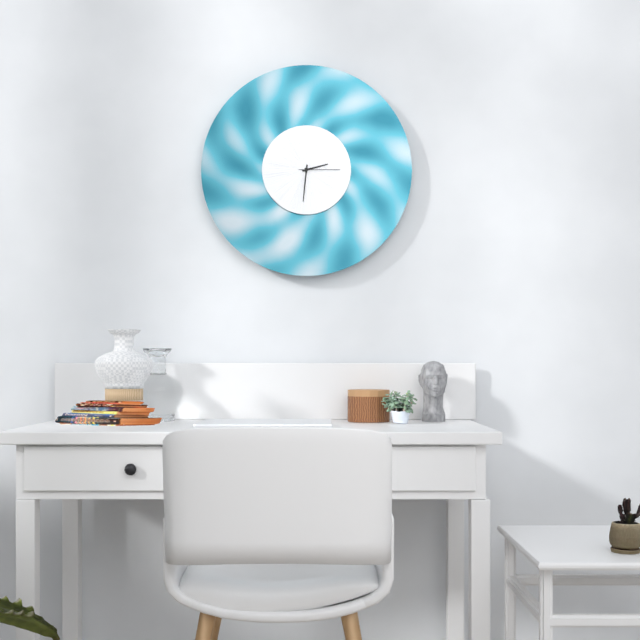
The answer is 2h31
